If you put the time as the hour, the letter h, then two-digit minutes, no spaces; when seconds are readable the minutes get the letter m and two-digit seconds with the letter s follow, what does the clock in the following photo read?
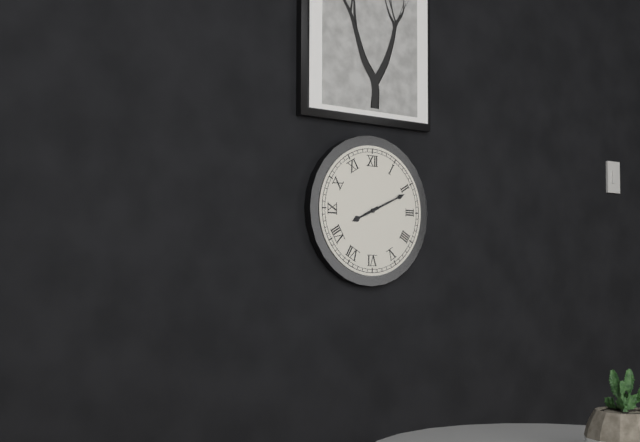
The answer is 8h11
